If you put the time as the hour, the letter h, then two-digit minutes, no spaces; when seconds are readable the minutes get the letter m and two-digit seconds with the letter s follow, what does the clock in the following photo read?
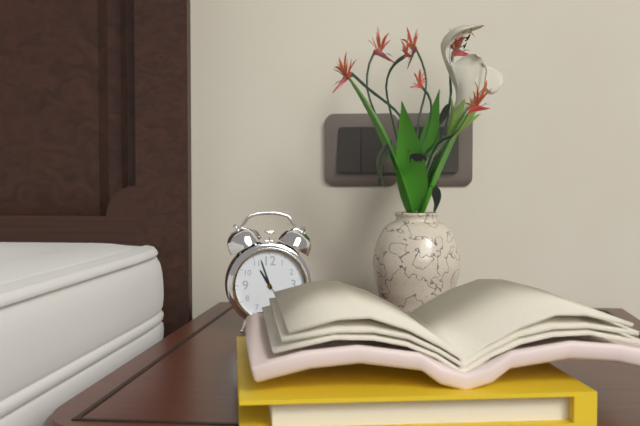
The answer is 10h57
